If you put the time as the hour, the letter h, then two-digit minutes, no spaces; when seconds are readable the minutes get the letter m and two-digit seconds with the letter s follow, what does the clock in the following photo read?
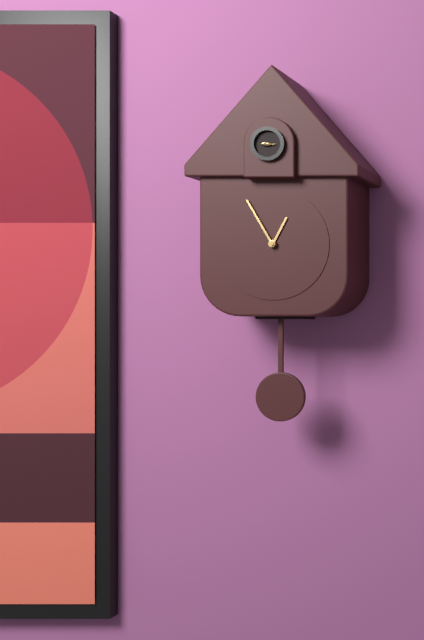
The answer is 12h55
